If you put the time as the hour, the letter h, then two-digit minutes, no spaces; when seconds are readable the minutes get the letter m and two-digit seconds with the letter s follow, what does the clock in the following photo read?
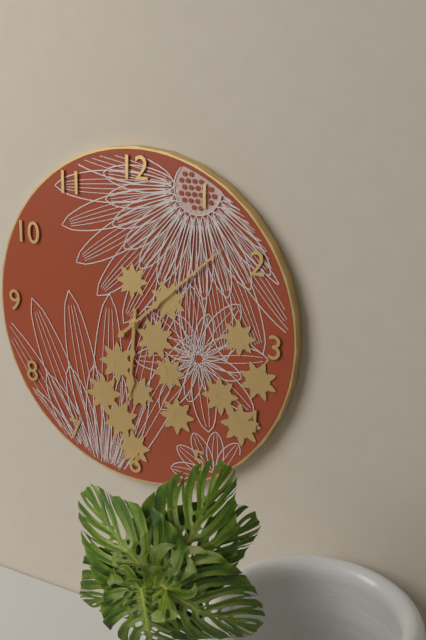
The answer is 6h08
